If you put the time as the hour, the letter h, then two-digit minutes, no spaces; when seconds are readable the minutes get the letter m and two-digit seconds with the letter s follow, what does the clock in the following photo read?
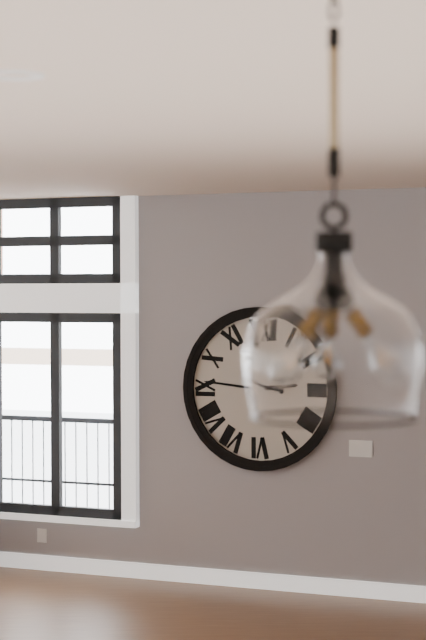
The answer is 2h46
